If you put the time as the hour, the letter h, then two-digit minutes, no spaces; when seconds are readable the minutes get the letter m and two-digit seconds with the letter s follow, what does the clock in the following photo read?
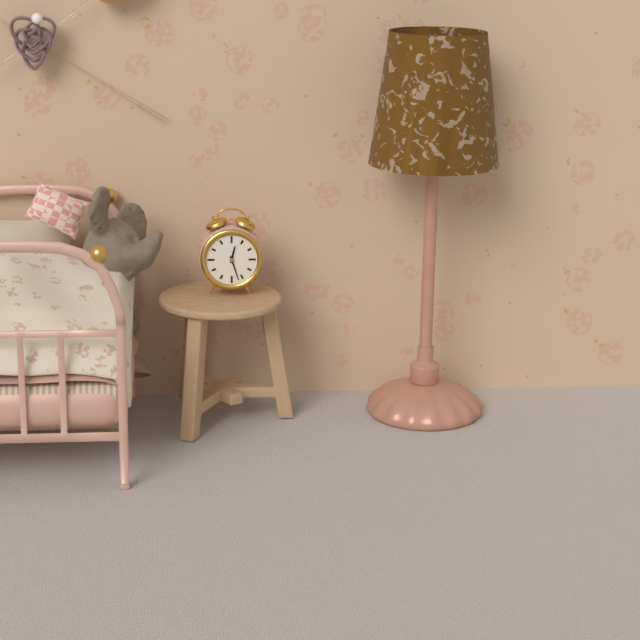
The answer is 12h27
